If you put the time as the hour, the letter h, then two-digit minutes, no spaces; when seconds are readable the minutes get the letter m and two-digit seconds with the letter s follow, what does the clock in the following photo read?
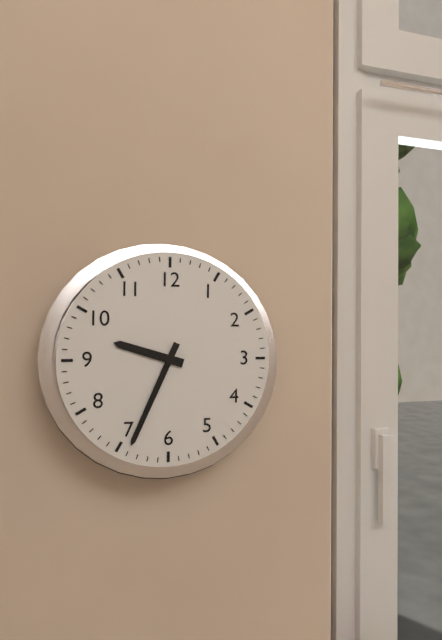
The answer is 9h34
